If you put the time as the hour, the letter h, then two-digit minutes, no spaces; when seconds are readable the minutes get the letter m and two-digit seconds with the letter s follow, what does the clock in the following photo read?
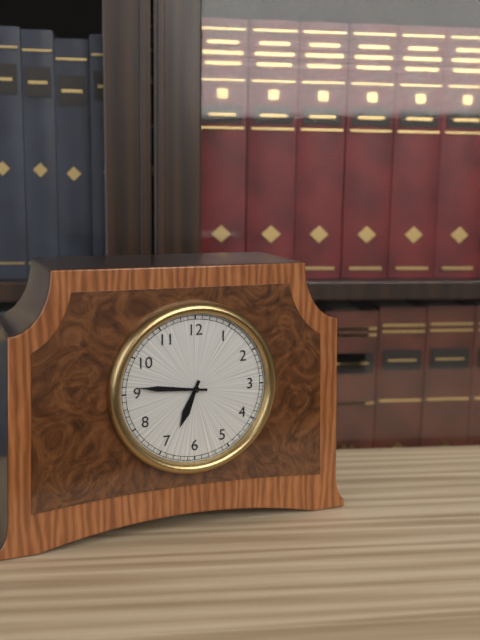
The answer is 6h46
